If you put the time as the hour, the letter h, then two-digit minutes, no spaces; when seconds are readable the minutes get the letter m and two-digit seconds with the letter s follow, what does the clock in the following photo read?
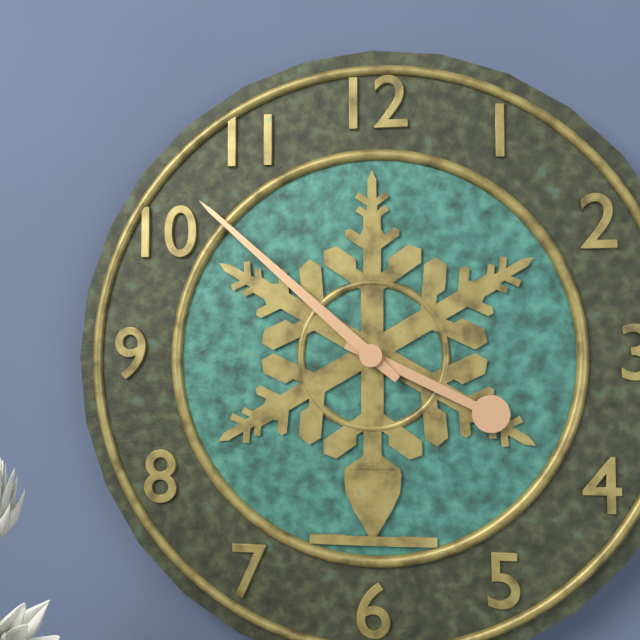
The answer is 3h52
